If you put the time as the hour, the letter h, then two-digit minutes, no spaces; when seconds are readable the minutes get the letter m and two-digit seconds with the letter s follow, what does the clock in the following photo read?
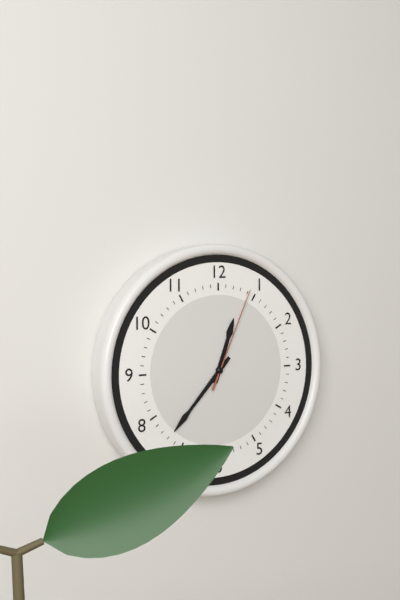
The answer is 12h37m04s
